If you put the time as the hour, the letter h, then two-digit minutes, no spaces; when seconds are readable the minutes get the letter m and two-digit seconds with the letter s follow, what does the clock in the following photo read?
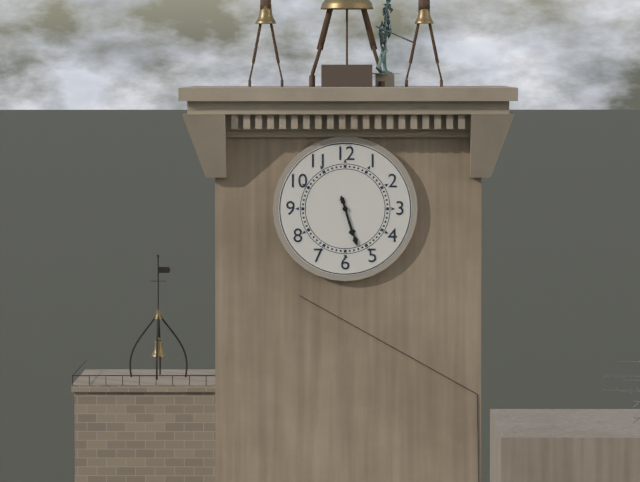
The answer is 5h27
